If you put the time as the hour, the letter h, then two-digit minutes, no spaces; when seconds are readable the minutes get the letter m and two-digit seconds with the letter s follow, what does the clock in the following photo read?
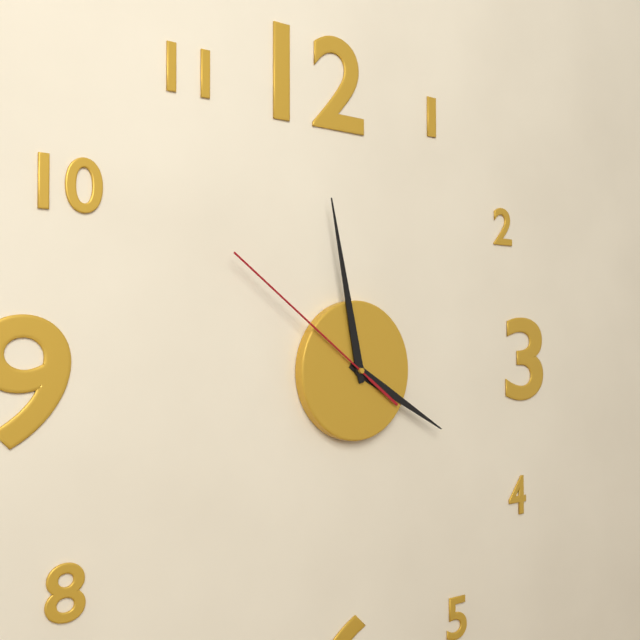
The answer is 3h58m51s
